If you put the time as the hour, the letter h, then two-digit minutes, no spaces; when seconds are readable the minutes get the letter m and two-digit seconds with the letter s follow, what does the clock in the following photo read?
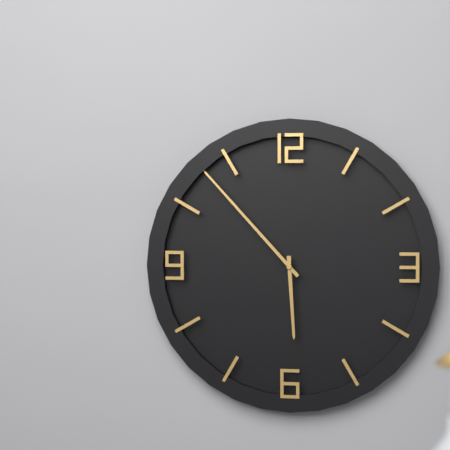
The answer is 5h53
